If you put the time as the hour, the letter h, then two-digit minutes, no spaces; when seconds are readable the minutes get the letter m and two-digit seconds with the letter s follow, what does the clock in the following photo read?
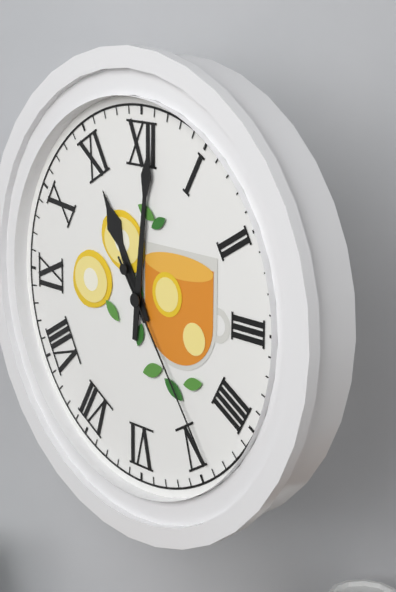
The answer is 11h01m24s
